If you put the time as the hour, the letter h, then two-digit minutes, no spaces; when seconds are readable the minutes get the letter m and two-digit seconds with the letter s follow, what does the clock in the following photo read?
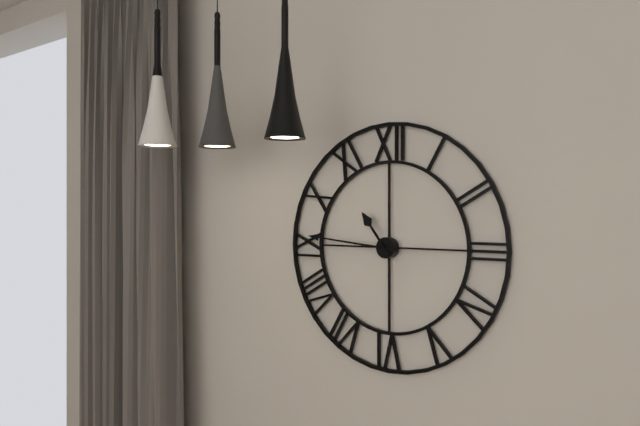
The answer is 10h46
